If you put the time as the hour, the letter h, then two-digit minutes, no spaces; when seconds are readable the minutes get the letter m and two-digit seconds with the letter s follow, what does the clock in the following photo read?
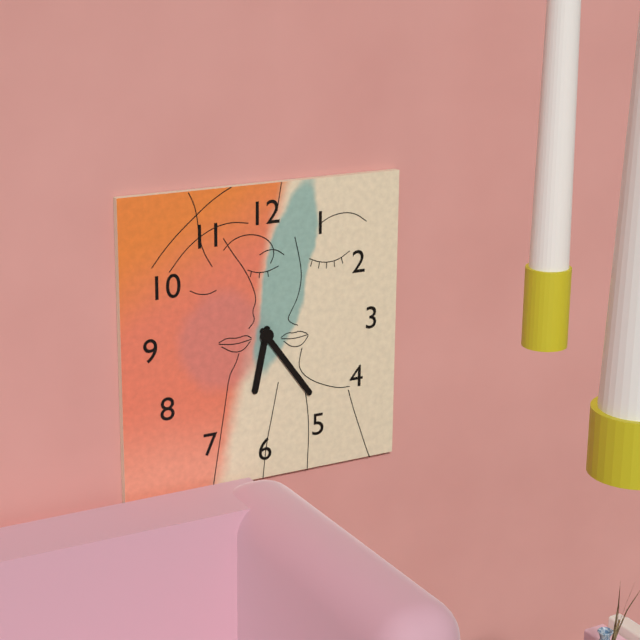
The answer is 6h24
